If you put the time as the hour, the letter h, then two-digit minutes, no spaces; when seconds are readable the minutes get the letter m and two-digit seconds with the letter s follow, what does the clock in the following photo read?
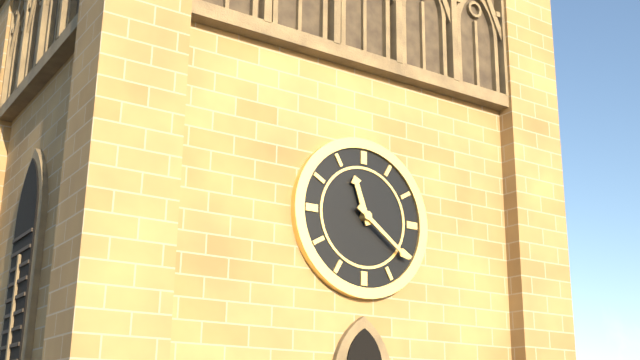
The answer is 11h21
